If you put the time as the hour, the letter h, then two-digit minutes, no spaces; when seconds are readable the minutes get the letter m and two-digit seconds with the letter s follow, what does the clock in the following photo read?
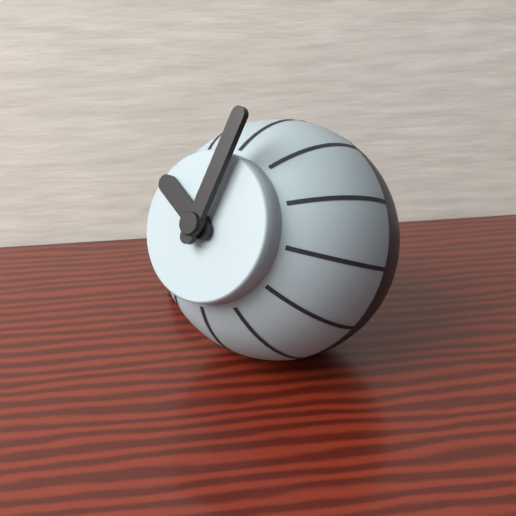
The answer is 10h02
